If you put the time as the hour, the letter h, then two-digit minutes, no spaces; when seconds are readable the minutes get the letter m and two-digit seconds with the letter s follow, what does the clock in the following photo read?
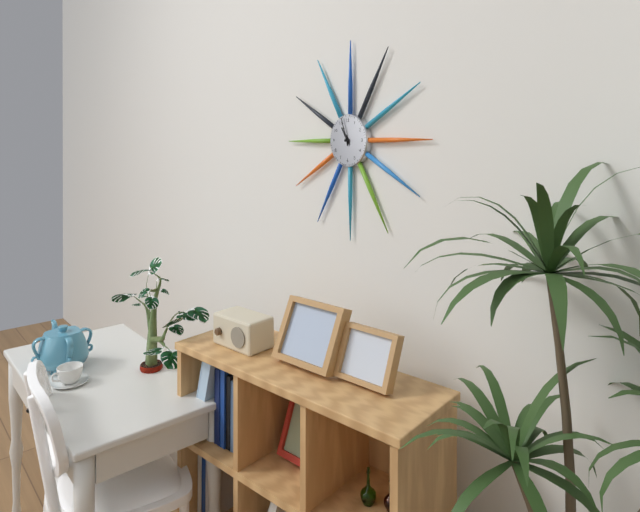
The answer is 10h57
